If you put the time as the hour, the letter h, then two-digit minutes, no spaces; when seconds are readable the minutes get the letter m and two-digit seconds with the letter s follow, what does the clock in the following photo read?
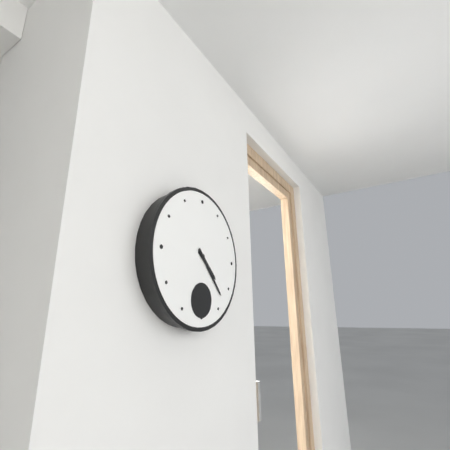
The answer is 4h23
